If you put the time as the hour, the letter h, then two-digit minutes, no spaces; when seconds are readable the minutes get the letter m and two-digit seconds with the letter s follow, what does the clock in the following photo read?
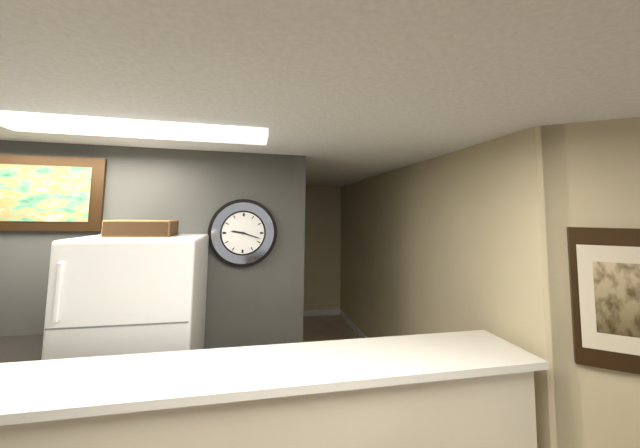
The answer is 9h18
